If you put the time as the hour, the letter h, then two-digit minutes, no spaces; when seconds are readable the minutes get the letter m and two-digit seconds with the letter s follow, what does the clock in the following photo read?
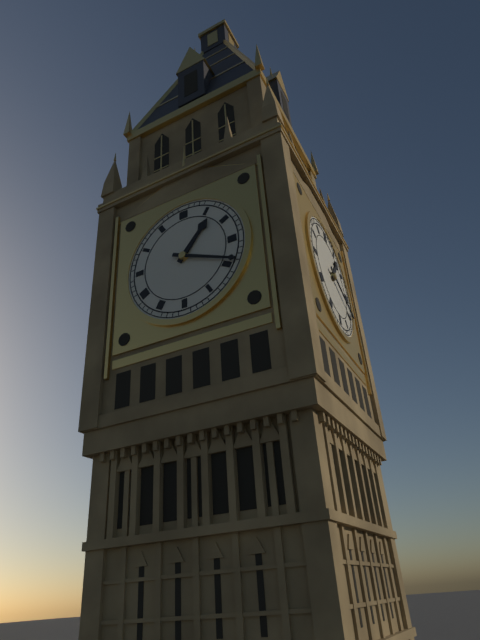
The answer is 1h19
